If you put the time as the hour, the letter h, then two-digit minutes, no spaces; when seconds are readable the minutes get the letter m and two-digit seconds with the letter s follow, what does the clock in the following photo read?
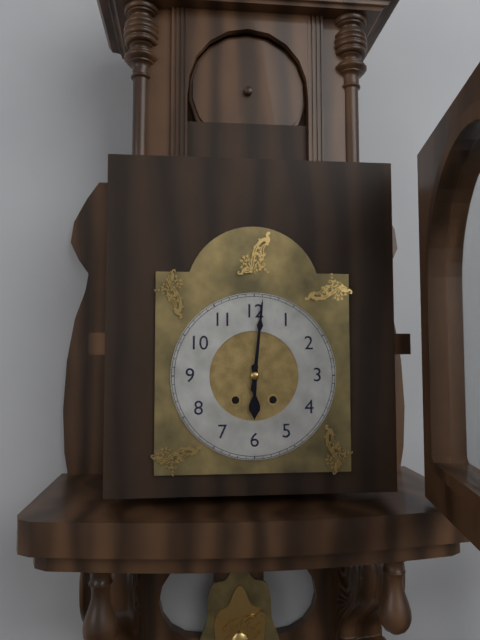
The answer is 6h01
